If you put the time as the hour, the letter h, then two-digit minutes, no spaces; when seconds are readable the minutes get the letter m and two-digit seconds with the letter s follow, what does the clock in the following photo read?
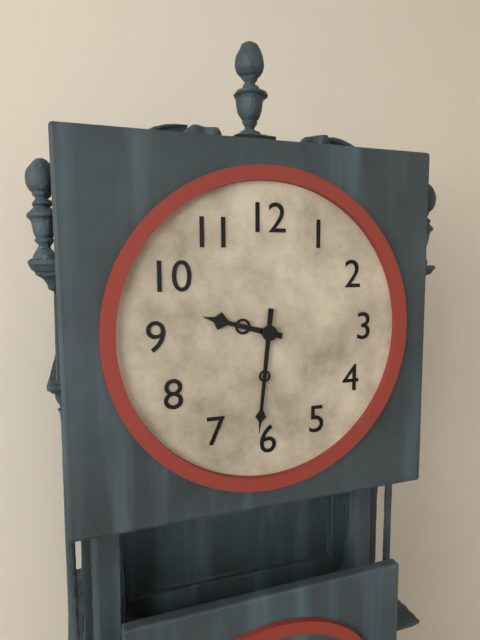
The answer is 9h31
